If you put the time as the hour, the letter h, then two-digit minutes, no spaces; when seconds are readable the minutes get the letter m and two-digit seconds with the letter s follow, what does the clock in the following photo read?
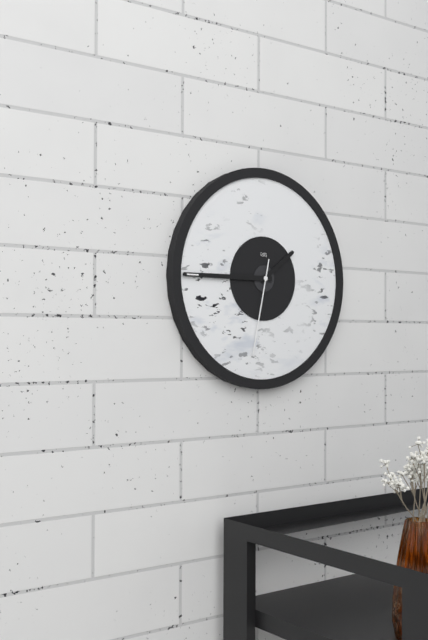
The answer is 1h45m32s
